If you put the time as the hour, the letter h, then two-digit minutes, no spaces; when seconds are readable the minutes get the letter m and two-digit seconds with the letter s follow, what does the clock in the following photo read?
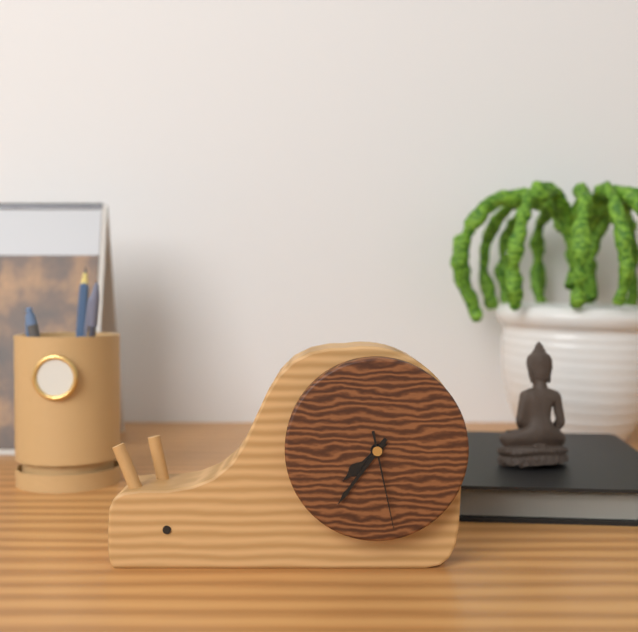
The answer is 7h36m28s
